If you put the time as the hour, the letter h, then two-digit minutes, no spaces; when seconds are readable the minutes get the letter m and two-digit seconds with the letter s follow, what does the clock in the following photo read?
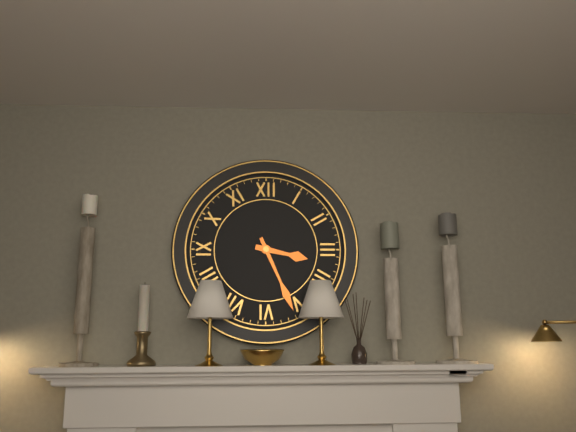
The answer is 3h26
